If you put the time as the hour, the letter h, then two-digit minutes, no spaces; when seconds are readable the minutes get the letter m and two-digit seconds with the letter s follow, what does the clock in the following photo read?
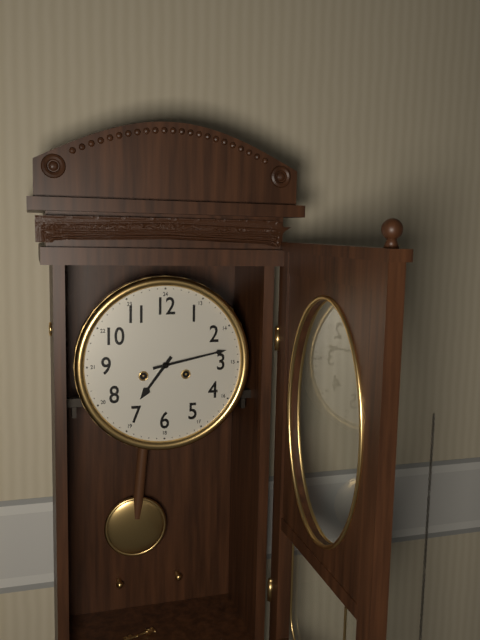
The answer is 7h13
